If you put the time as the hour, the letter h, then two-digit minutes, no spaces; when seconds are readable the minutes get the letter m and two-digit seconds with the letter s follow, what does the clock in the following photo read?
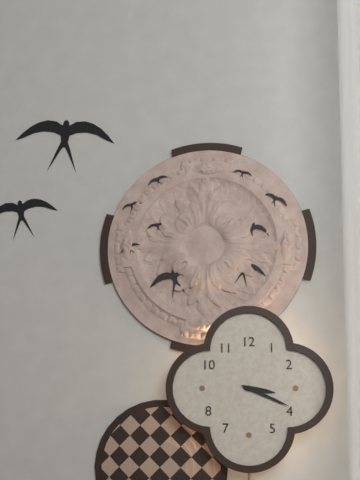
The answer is 3h19
